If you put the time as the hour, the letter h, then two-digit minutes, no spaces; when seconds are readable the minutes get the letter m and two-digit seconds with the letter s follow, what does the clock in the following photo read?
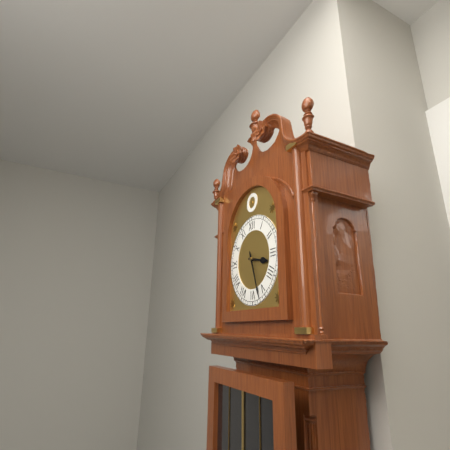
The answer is 3h27
